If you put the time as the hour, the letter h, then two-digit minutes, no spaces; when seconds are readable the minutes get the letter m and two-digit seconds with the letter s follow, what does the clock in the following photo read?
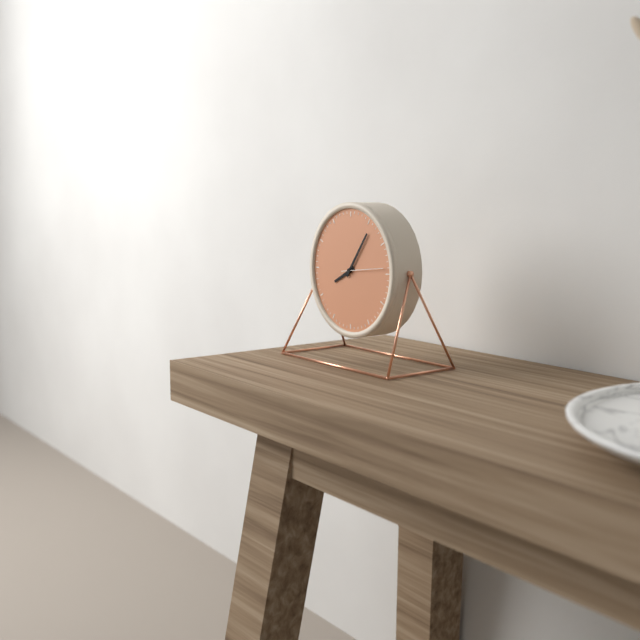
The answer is 8h06
